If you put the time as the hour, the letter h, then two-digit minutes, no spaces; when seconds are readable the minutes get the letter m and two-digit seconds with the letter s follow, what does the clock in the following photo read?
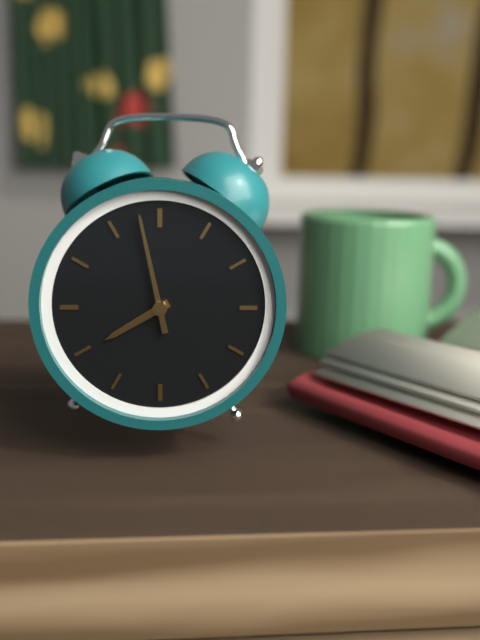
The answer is 7h58
